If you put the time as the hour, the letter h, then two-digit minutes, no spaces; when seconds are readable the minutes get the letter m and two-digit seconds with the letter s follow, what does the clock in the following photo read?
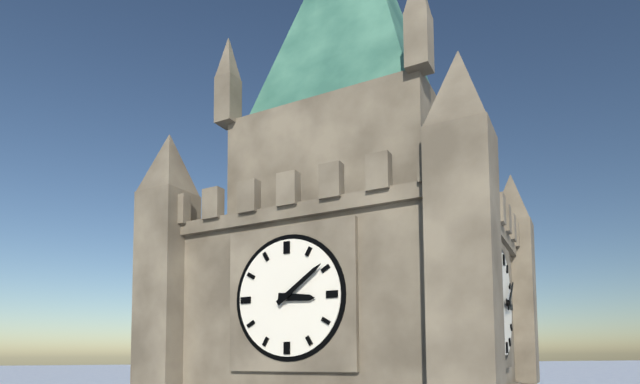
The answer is 3h09
